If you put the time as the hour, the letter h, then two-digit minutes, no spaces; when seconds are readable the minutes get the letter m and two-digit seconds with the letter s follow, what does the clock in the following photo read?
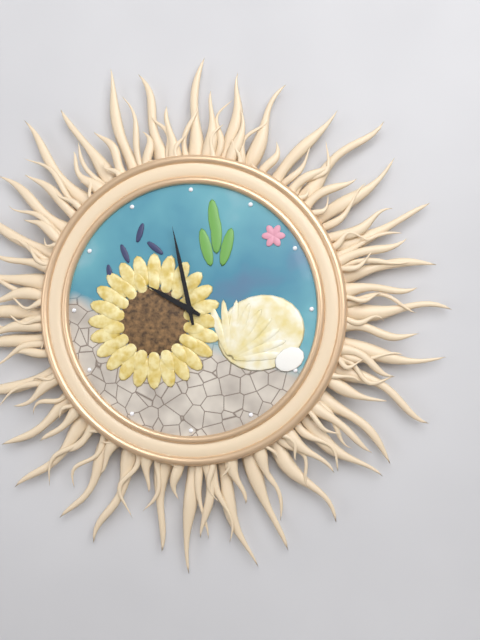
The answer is 9h58
